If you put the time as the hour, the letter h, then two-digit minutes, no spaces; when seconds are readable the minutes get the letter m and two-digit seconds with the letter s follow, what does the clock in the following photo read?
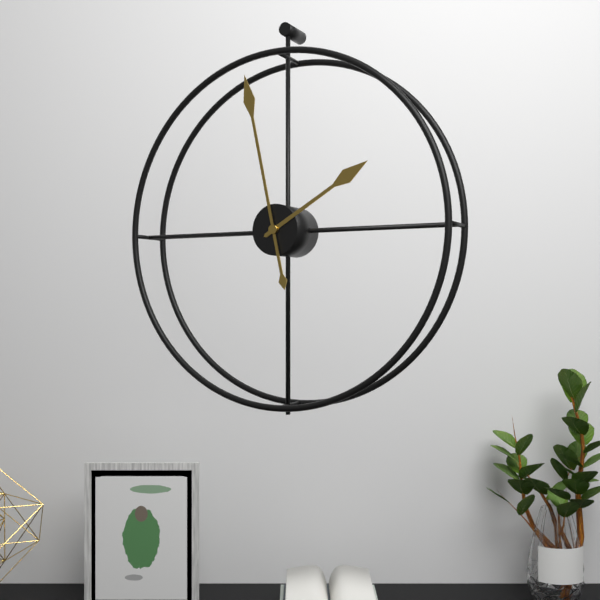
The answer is 1h58
